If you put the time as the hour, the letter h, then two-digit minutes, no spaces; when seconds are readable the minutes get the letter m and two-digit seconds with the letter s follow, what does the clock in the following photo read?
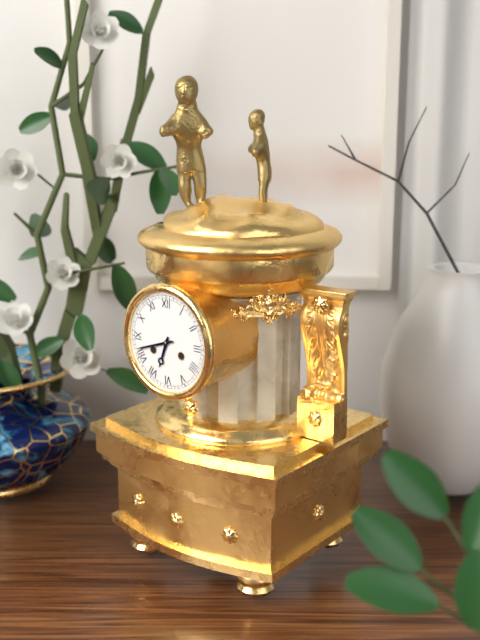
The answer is 6h42
